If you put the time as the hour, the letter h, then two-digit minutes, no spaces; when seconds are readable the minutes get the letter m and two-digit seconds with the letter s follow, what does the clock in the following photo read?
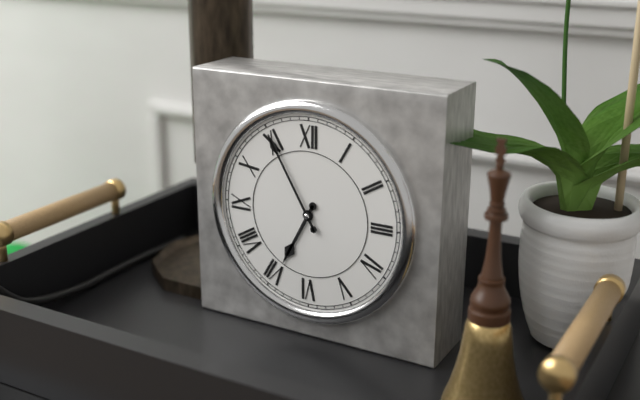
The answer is 6h55
